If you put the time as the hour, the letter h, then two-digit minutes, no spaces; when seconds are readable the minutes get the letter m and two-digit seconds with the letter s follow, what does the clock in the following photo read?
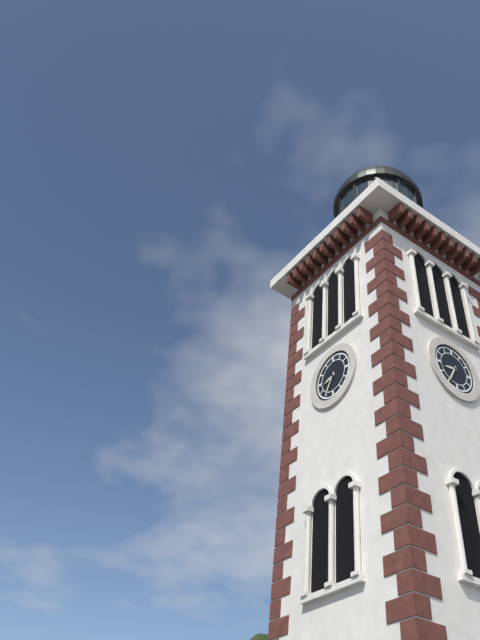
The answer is 8h35
